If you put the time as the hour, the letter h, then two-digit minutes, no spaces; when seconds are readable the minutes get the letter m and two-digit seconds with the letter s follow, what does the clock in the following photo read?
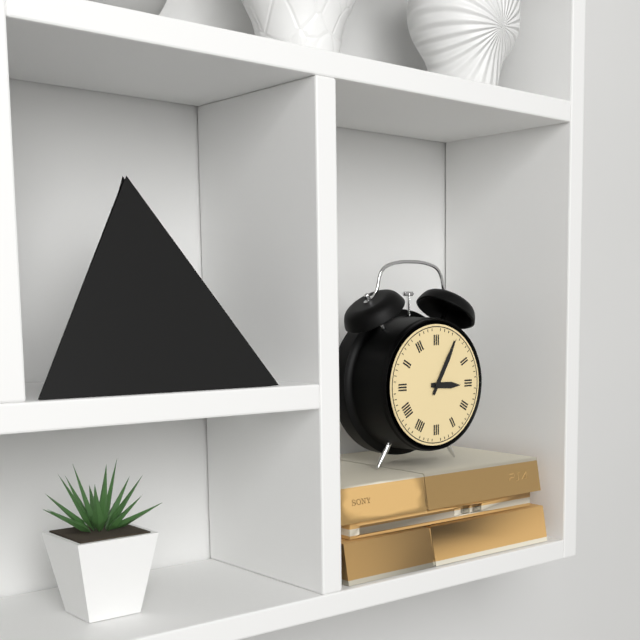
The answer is 3h05
